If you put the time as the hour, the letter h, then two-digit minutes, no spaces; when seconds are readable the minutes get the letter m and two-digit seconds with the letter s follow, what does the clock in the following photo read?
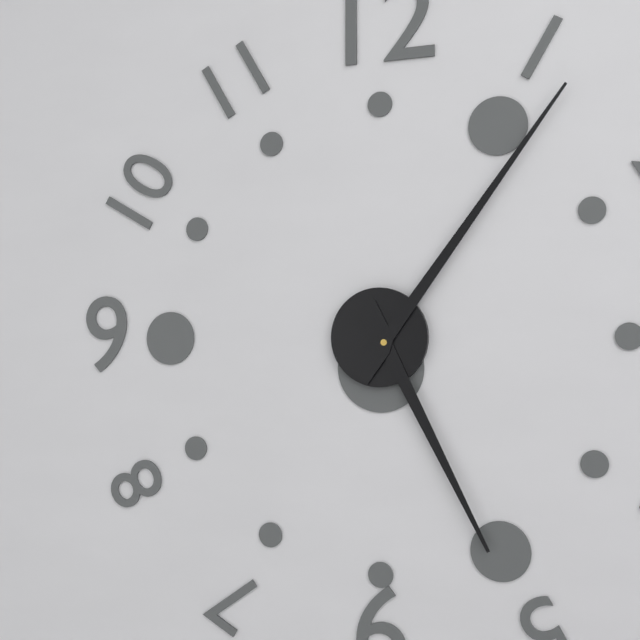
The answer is 5h06
